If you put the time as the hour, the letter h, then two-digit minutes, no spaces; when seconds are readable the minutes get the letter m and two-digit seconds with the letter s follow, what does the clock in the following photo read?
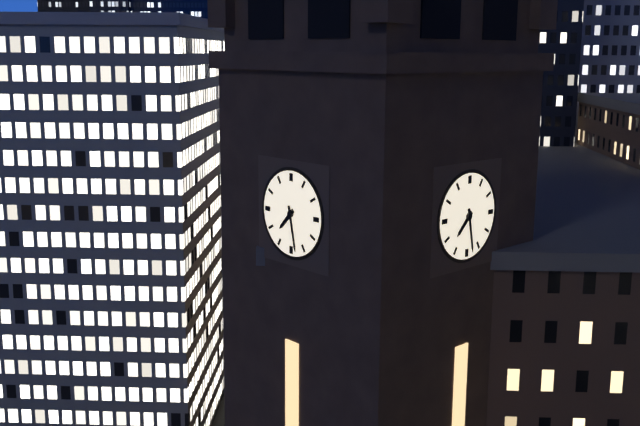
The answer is 7h28
